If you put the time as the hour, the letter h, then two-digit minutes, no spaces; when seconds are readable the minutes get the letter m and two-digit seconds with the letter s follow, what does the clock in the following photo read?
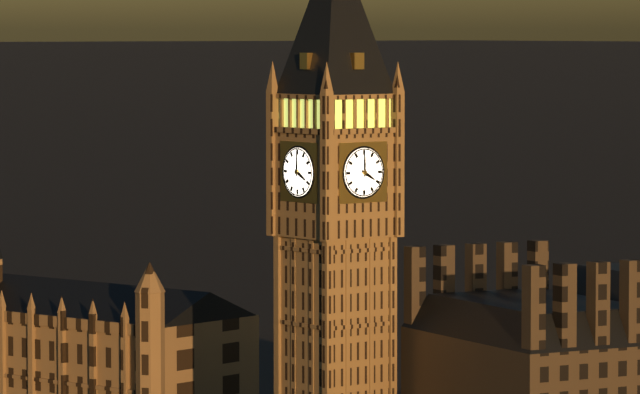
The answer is 4h00
